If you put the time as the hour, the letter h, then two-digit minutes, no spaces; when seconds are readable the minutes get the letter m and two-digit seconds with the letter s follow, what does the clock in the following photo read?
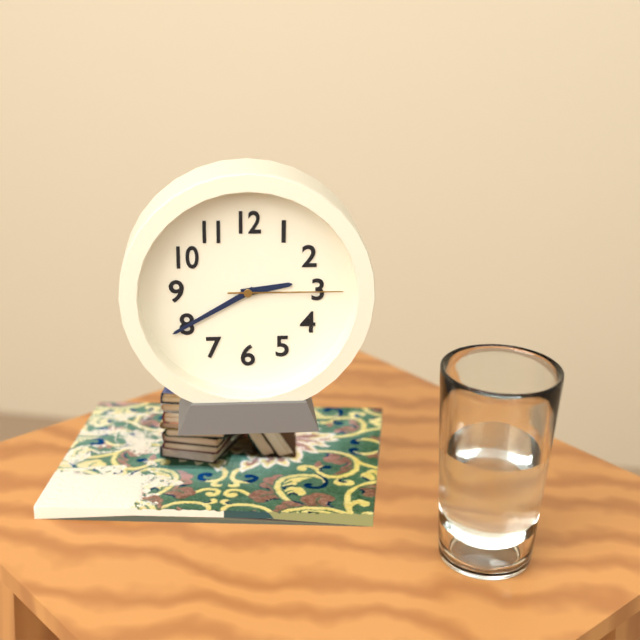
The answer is 2h40m15s
